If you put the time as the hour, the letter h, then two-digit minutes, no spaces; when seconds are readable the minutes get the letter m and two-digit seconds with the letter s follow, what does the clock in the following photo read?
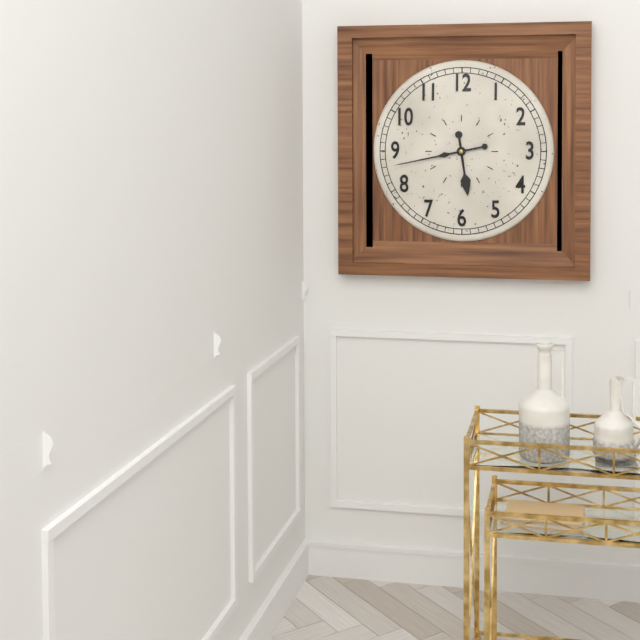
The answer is 5h43
